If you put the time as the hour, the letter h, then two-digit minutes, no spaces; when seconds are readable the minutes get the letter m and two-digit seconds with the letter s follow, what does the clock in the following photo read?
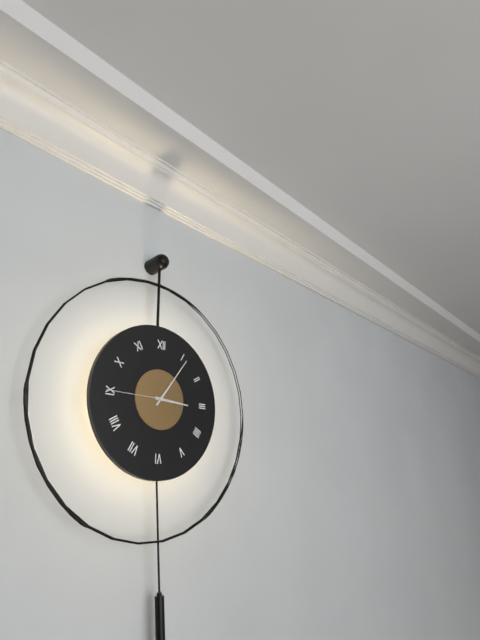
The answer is 3h06m45s
